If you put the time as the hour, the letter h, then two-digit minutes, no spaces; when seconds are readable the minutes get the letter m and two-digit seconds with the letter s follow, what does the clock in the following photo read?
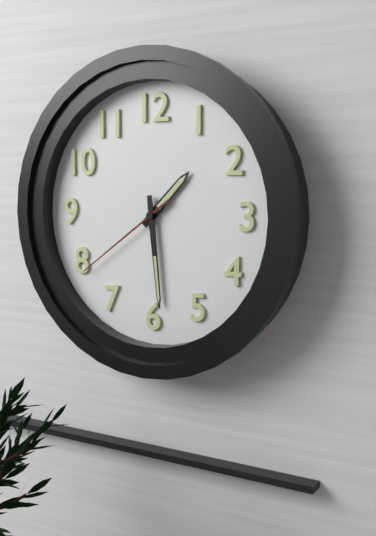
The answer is 1h29m39s
